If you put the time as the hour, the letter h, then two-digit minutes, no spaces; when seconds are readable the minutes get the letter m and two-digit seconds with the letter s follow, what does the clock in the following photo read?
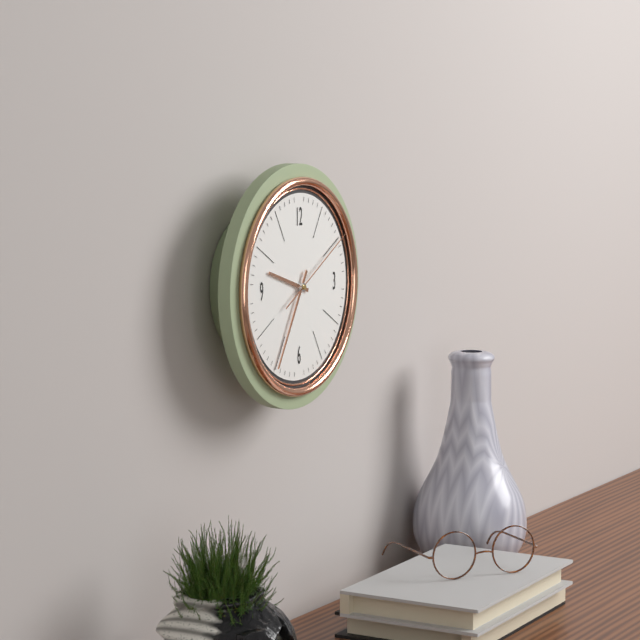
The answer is 9h35m10s
